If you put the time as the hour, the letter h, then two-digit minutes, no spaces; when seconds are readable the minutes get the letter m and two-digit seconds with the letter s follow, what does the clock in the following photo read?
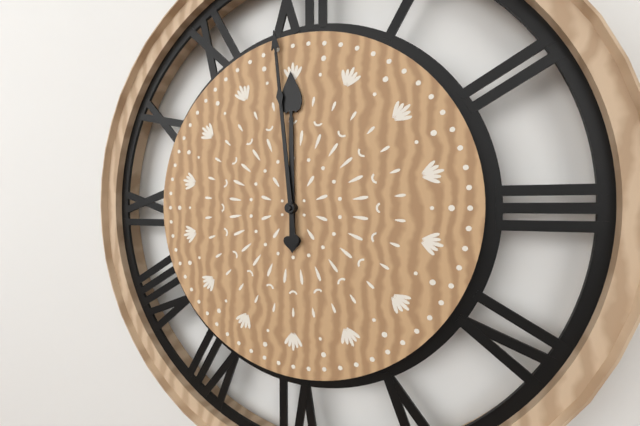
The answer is 11h59
